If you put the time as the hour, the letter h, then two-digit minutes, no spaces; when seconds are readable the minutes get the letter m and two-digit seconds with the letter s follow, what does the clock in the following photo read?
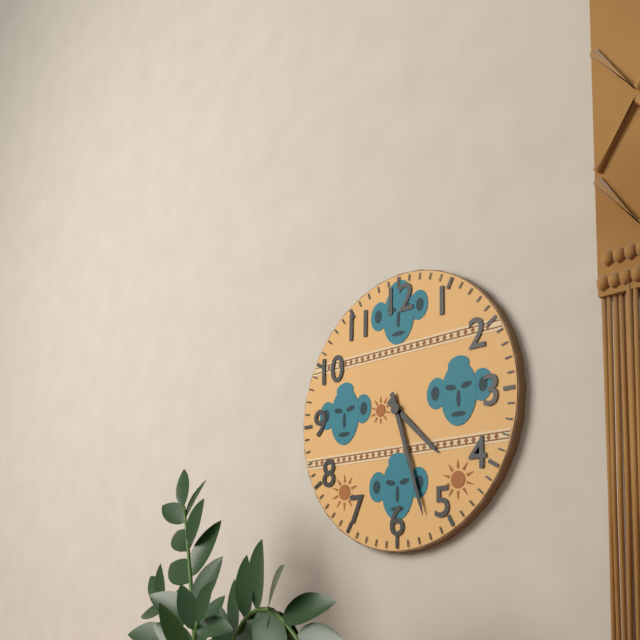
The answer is 4h27
